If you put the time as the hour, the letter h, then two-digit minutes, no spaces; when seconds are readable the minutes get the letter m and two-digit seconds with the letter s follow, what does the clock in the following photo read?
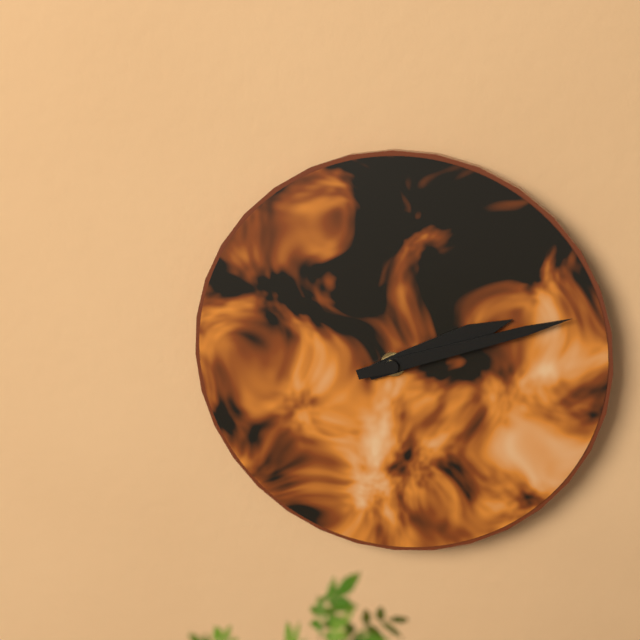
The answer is 2h12
